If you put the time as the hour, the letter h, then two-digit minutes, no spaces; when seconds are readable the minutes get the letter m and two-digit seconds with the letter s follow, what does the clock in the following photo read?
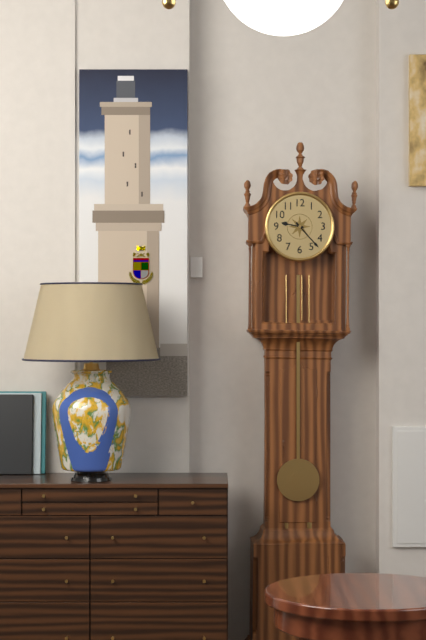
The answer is 9h23
